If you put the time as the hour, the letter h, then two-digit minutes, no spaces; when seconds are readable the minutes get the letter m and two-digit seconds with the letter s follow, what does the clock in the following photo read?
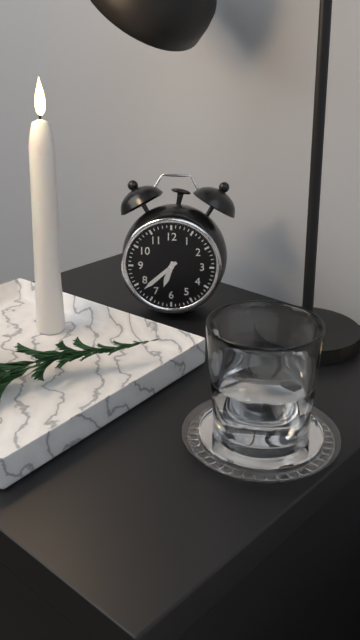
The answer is 6h38
